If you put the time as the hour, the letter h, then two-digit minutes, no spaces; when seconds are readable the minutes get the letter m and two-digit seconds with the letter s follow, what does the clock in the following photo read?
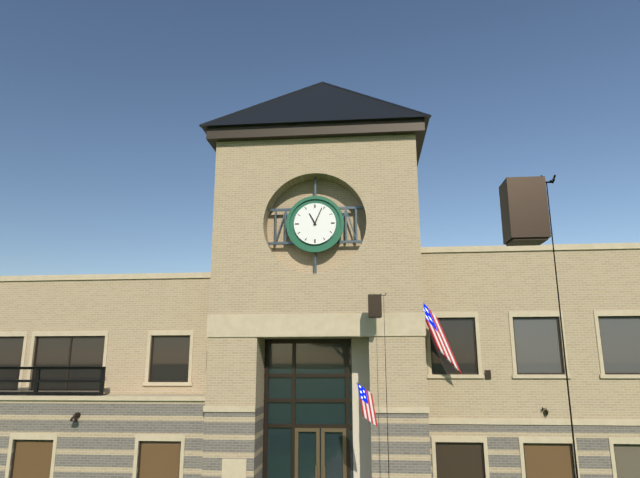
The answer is 11h04
